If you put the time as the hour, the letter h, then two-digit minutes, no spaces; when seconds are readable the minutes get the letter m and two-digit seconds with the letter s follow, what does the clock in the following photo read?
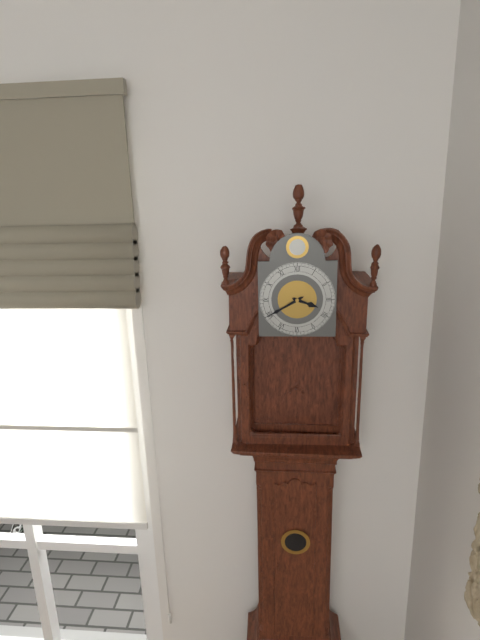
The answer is 3h40
